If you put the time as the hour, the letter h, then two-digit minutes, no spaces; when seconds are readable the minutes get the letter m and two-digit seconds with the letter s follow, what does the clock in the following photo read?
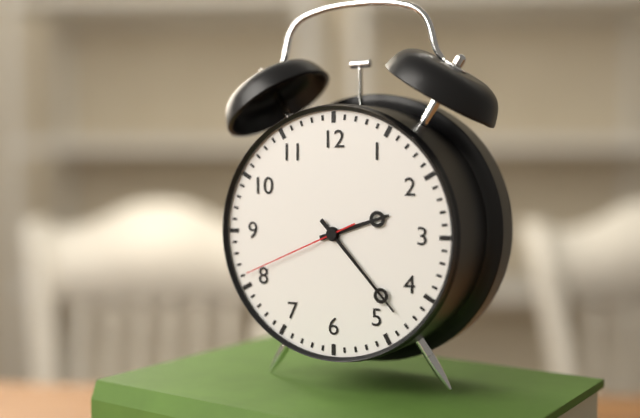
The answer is 2h23m41s
